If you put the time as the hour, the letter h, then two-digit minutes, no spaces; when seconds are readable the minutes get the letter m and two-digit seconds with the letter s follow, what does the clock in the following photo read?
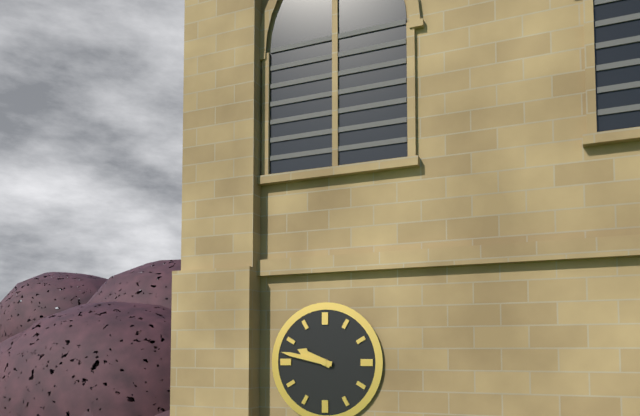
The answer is 9h47
